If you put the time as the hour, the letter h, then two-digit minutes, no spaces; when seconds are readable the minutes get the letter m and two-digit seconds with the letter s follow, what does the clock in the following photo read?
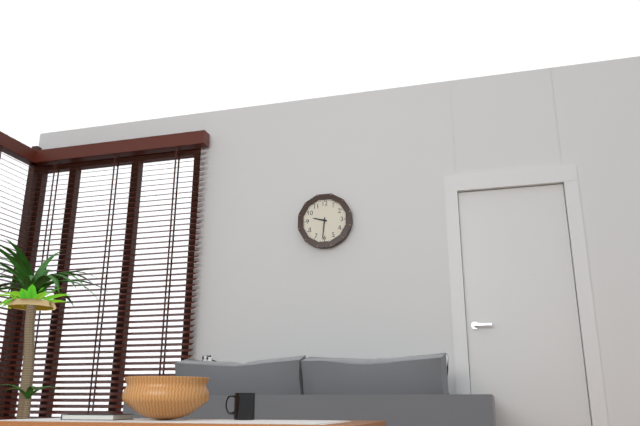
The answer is 9h31
